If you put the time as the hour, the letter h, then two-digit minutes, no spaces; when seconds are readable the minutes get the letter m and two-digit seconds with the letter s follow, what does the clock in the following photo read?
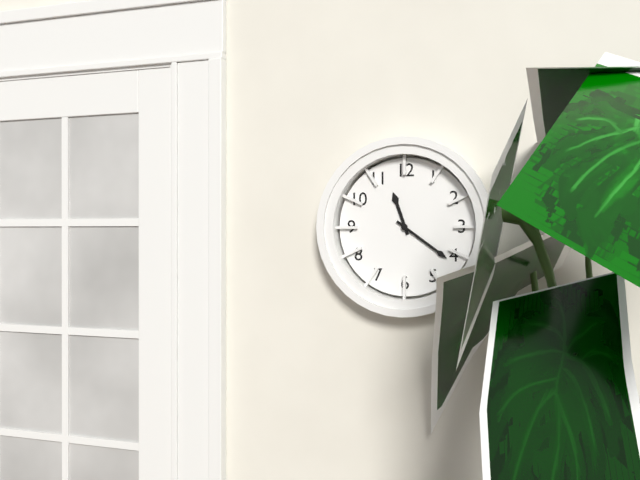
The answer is 11h21
